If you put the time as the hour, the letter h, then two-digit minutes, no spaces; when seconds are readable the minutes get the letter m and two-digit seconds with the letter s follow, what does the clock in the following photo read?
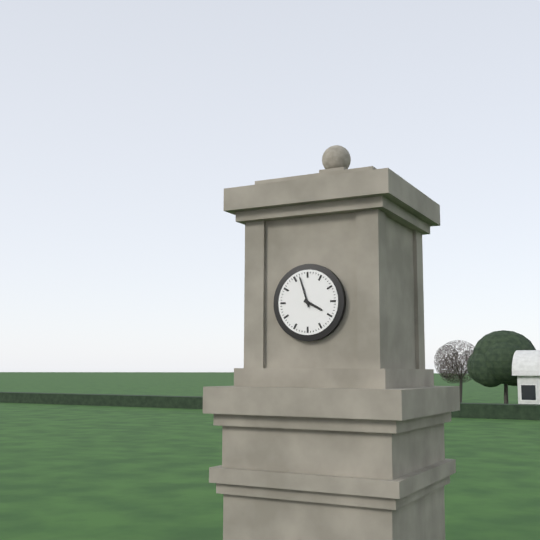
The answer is 3h57
